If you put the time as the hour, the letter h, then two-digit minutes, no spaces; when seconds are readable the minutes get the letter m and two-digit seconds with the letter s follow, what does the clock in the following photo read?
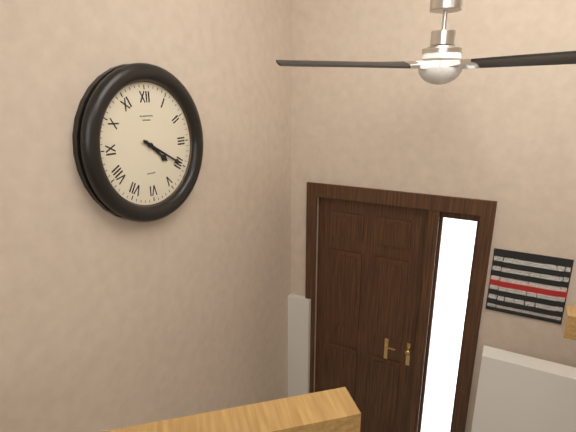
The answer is 4h20
